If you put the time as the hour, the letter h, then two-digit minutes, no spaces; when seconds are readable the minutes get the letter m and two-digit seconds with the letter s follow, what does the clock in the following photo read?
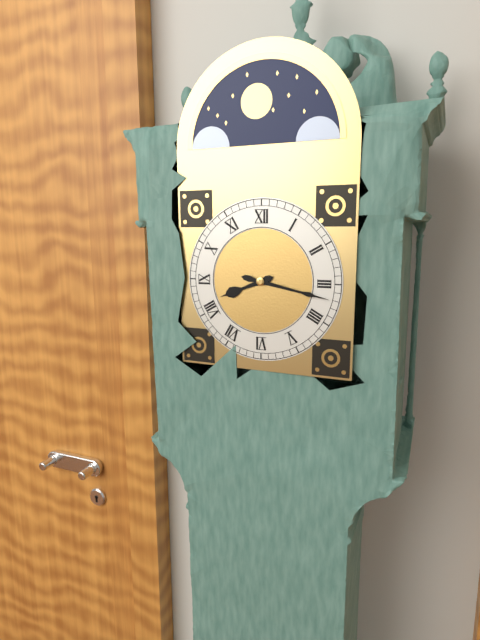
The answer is 8h17
